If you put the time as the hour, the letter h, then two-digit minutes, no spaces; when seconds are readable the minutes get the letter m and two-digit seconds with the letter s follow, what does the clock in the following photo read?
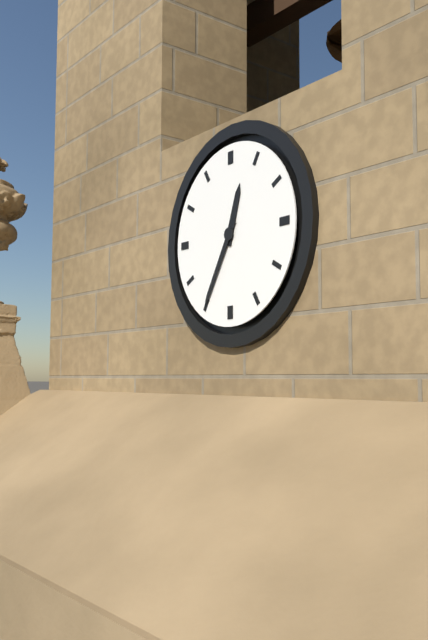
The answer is 12h35
